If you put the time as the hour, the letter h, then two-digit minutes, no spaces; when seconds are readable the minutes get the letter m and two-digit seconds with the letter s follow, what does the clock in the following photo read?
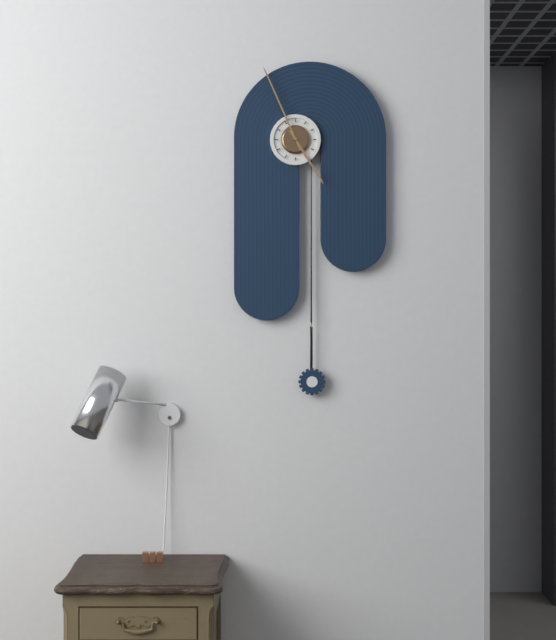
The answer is 4h56
